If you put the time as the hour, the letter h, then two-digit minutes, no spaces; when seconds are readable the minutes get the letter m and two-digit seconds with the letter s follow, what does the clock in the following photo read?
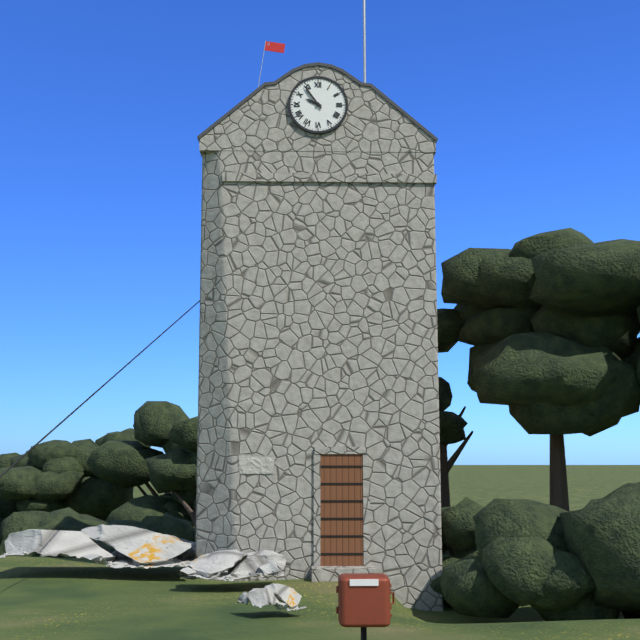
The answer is 9h54
